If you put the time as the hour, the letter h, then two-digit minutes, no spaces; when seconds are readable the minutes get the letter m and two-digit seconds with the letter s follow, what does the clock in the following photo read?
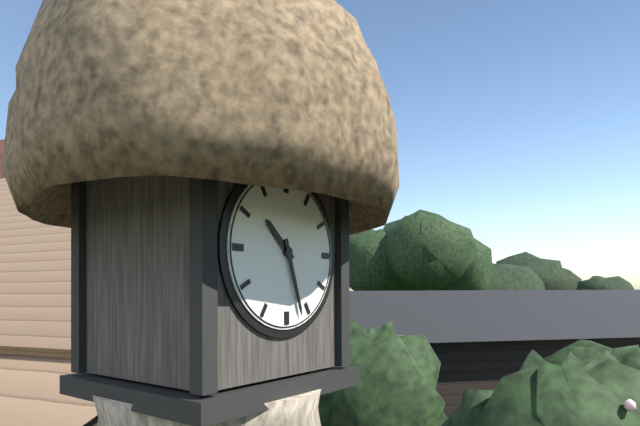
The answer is 10h27
